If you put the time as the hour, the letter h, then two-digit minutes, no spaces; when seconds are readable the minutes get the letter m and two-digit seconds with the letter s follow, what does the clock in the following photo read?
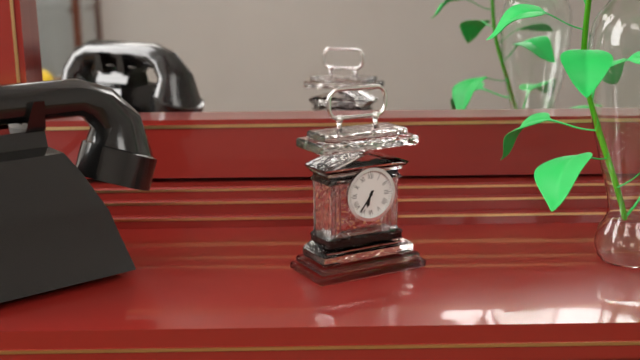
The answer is 6h36
